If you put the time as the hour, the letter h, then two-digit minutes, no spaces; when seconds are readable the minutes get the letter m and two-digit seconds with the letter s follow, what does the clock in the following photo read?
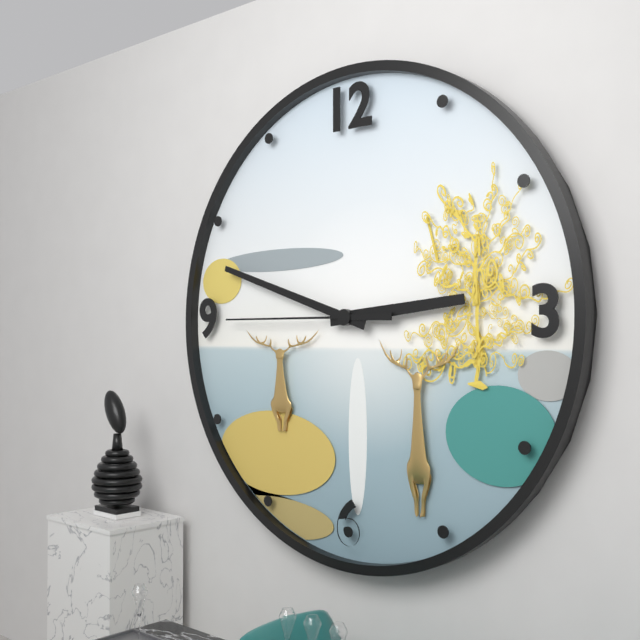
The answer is 2h48m45s
